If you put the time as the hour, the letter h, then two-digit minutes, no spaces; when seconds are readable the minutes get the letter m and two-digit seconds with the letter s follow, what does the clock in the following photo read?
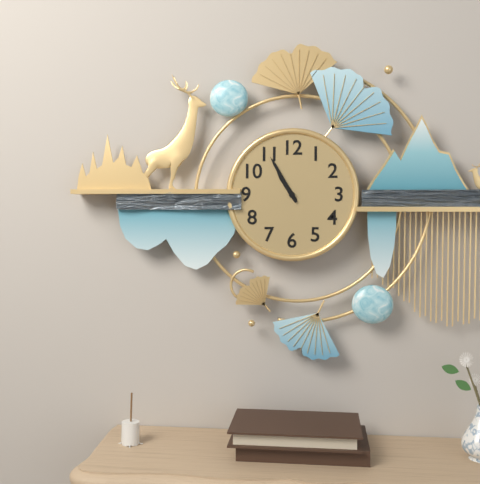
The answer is 10h55
